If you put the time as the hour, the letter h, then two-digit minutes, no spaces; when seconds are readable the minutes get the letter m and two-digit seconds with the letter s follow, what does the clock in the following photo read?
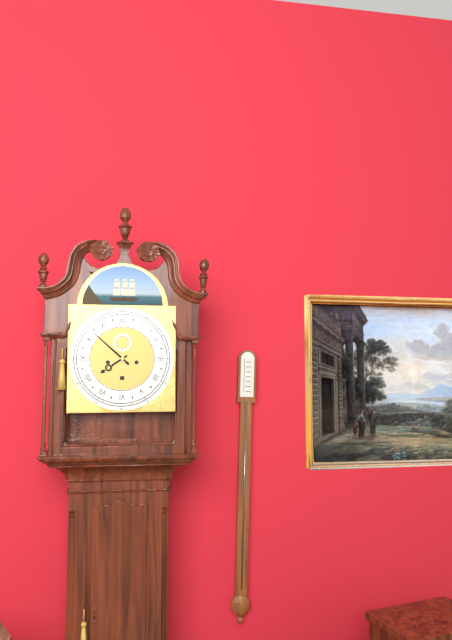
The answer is 7h52
